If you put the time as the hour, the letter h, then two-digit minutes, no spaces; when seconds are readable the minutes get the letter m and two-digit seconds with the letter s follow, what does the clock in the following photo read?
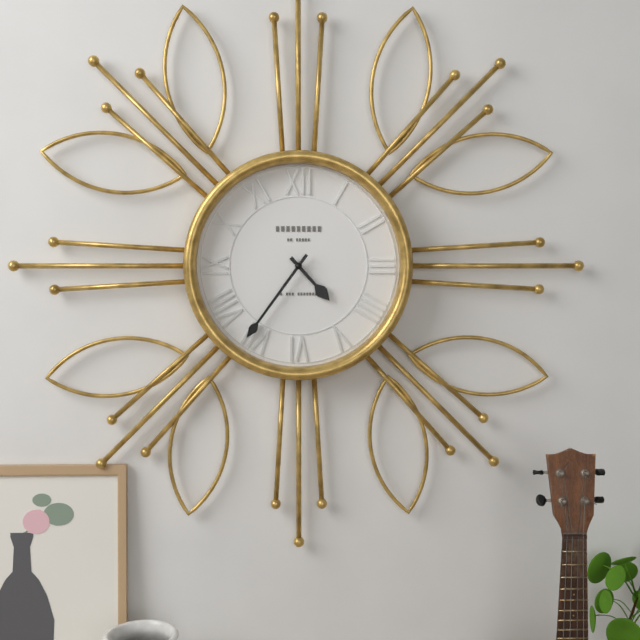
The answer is 4h36
